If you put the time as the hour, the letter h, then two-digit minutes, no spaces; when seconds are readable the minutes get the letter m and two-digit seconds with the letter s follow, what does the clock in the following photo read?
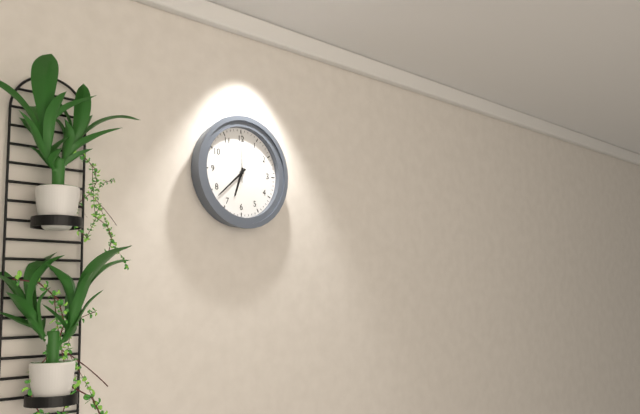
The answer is 6h38m00s
